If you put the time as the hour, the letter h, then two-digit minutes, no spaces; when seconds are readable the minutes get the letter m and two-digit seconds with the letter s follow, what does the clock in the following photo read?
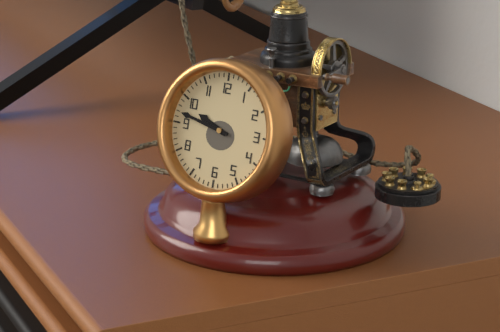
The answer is 9h47
